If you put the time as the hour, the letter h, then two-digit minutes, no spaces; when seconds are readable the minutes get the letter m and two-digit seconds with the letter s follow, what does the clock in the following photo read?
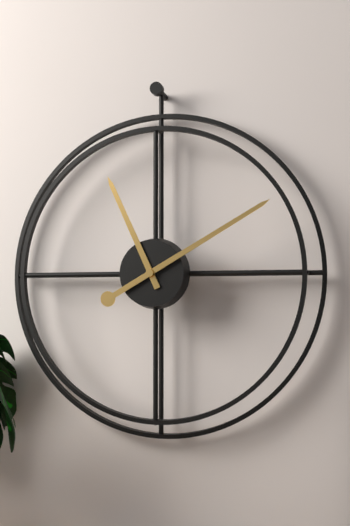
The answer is 11h10
